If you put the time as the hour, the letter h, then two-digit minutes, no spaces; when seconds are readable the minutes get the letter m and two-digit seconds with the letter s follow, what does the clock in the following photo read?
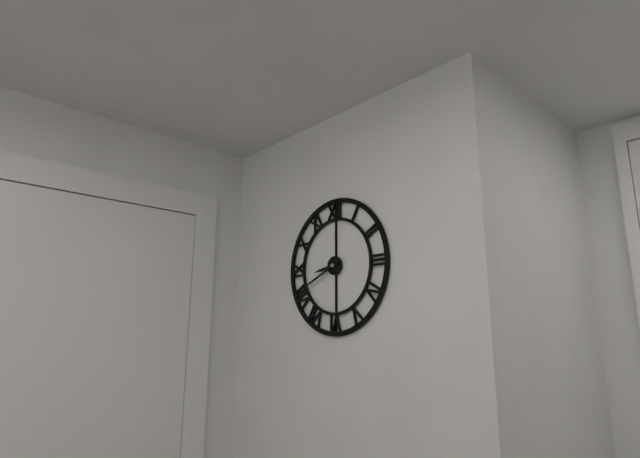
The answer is 8h41
